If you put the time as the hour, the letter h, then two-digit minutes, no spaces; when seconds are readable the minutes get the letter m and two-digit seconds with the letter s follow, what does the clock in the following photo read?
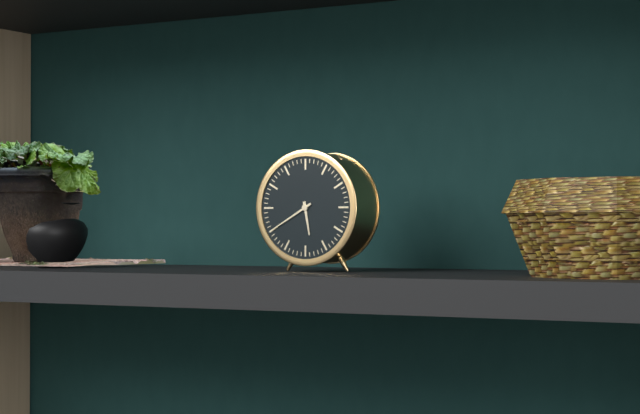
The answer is 5h40
